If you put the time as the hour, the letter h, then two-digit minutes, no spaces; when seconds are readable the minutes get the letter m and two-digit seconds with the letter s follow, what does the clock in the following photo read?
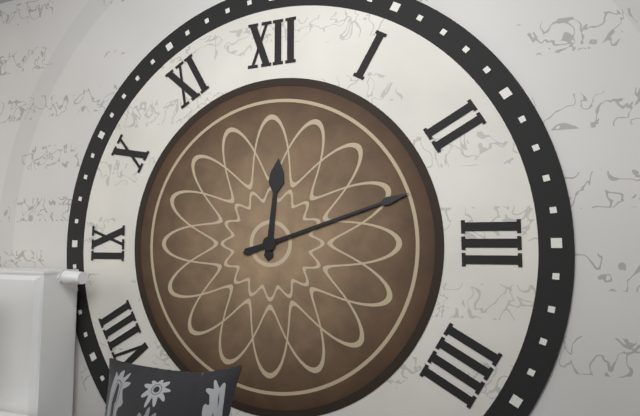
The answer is 12h12
